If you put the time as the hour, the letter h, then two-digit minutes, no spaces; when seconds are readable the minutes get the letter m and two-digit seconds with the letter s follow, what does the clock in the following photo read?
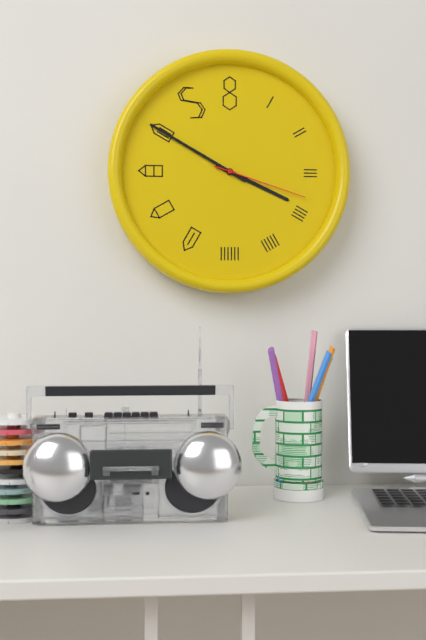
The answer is 3h50m18s
